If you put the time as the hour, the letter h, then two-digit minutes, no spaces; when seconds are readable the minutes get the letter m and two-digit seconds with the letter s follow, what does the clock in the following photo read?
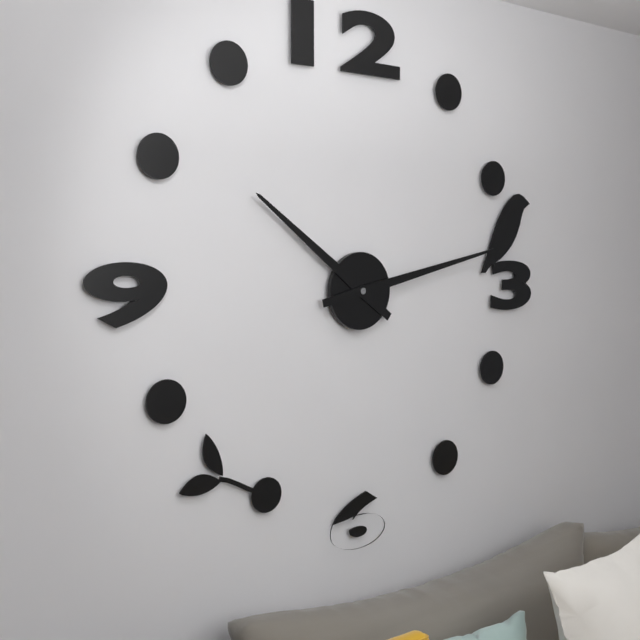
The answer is 10h13
